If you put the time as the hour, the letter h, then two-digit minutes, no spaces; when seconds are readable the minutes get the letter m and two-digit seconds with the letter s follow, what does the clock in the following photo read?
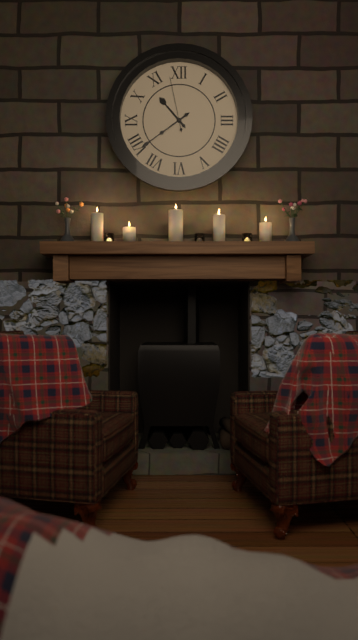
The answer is 10h39m58s
